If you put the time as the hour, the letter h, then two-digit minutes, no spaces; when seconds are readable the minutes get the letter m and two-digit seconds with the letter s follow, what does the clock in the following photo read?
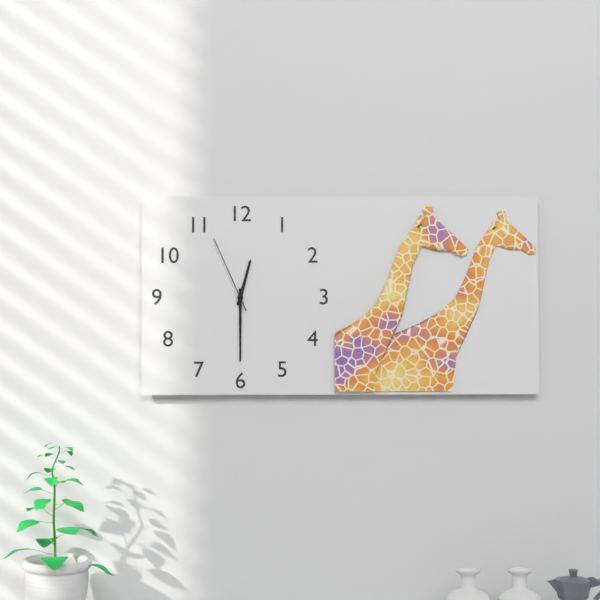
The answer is 12h30m56s
